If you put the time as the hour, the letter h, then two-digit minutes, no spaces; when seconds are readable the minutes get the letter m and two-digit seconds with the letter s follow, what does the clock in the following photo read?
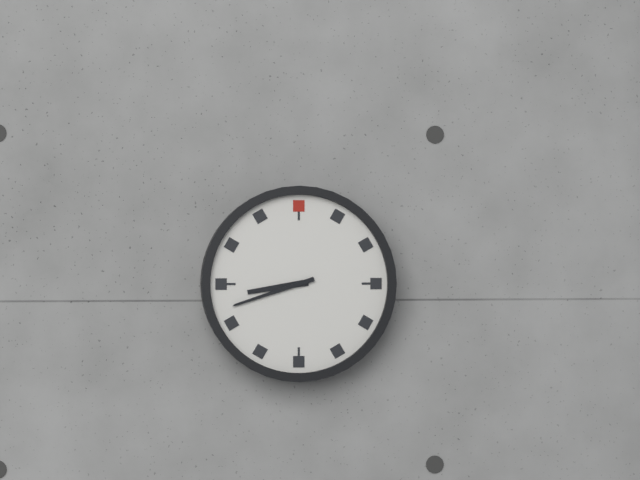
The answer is 8h42
